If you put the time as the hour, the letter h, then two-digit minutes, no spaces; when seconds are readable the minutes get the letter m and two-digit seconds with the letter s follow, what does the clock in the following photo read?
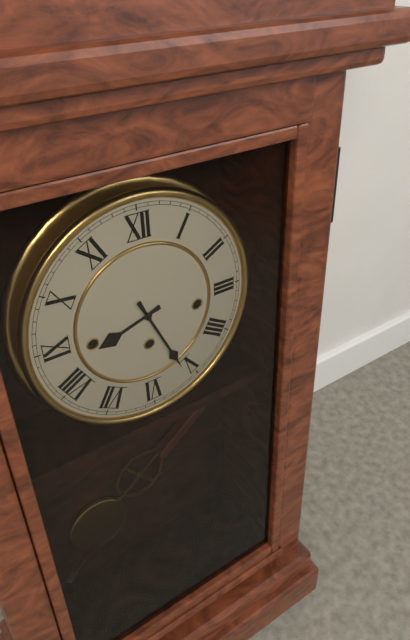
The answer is 8h26
